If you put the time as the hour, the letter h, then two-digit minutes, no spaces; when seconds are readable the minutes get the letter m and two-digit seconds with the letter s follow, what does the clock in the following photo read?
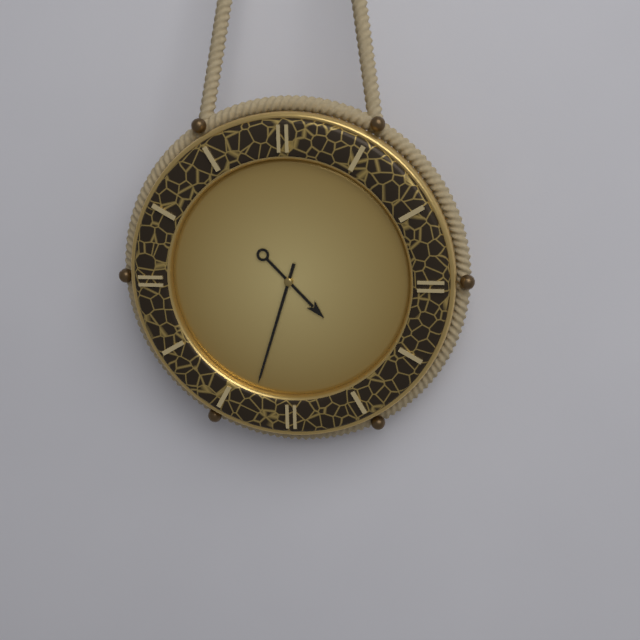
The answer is 4h33
